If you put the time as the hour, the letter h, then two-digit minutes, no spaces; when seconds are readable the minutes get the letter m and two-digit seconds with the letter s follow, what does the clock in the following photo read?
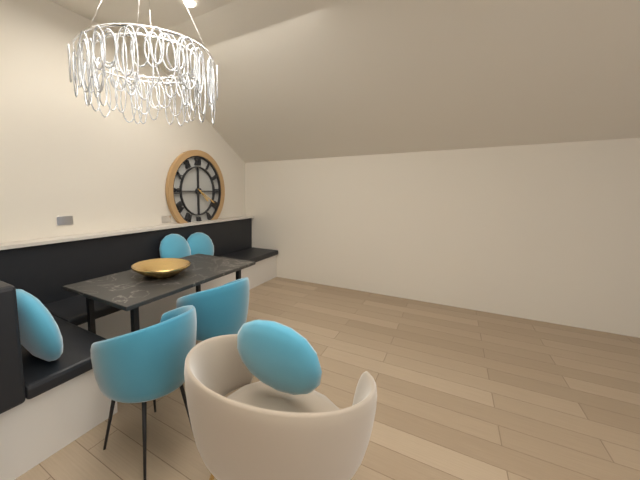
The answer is 4h20
